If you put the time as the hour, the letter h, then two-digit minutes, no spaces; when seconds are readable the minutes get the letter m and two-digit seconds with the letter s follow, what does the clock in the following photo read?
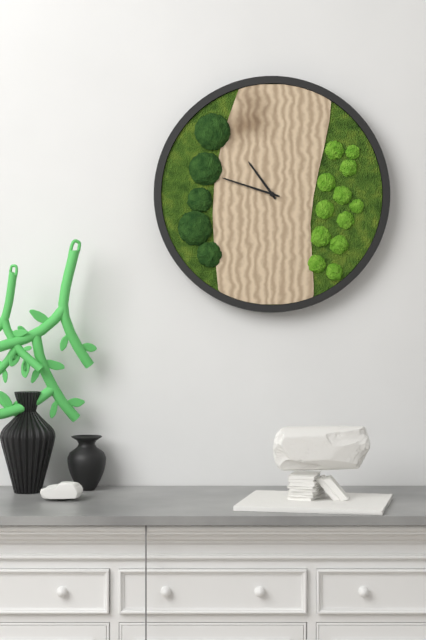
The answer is 10h48
